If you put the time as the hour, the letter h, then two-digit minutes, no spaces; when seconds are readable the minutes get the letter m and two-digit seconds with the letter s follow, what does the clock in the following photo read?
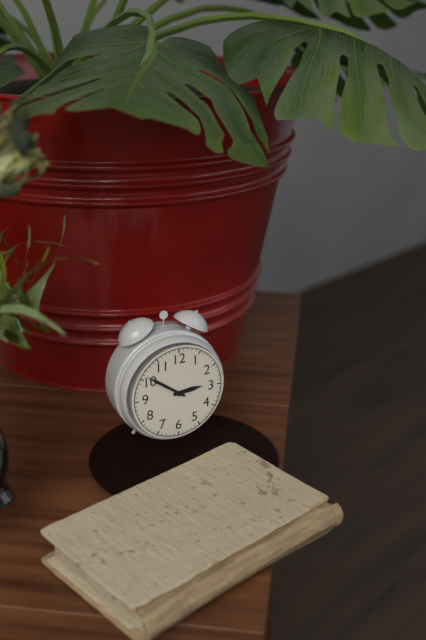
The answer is 2h51
